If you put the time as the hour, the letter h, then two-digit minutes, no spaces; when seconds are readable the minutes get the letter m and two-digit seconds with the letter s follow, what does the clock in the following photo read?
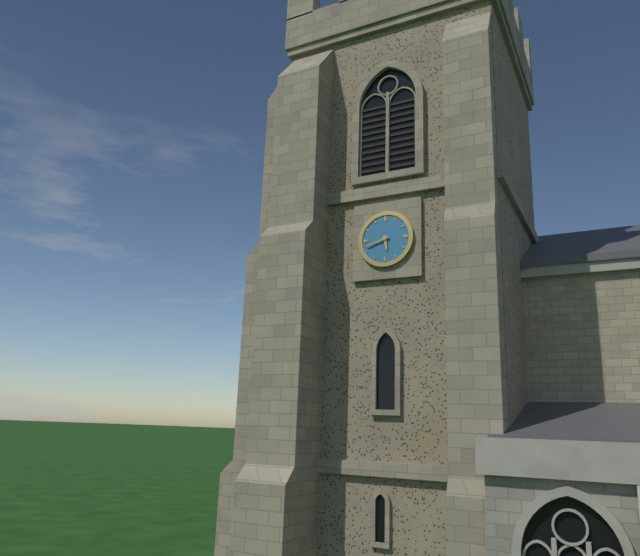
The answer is 5h42
